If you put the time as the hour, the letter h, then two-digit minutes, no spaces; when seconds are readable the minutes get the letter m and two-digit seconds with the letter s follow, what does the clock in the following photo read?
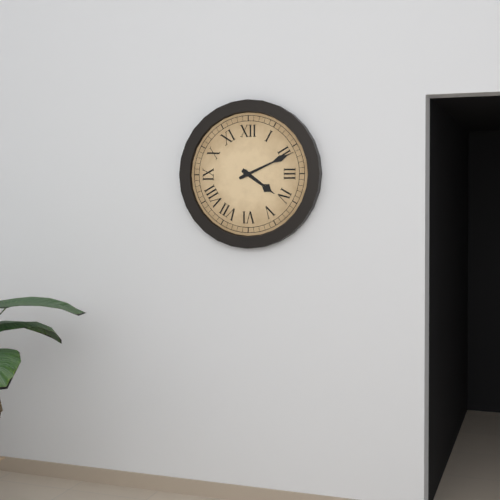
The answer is 4h11
